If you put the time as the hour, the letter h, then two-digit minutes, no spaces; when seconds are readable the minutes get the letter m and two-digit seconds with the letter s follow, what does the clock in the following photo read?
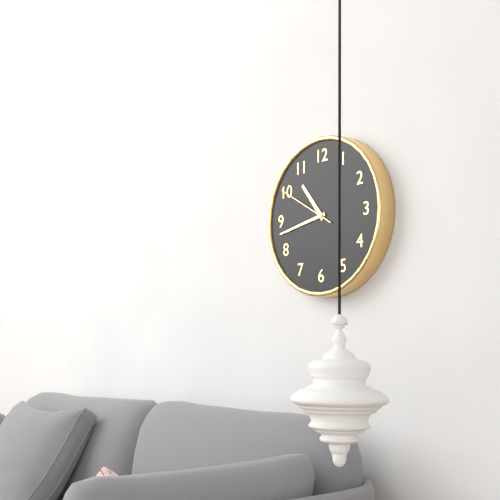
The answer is 10h43m50s
